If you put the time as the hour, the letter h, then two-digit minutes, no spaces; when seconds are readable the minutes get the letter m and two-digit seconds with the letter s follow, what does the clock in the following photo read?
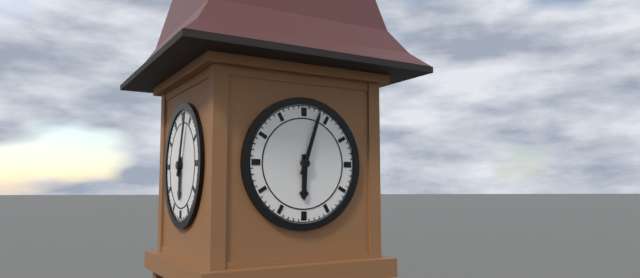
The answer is 6h03
